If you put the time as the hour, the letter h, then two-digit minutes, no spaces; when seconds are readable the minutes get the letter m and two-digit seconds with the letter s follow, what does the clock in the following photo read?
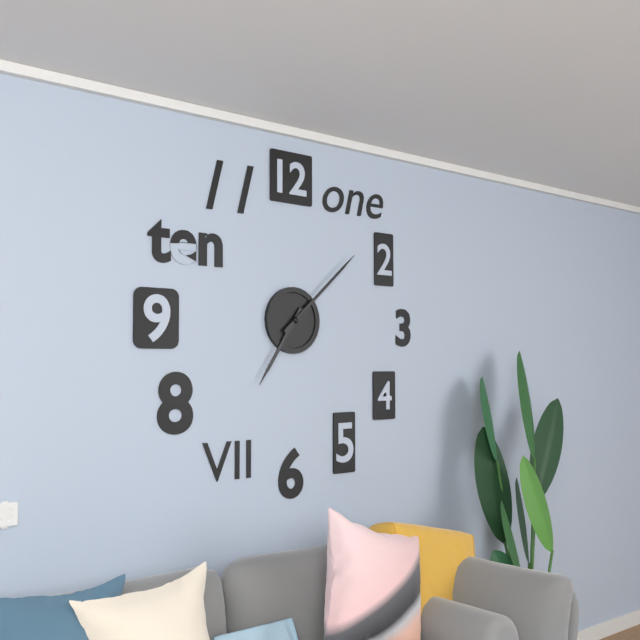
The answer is 7h08
